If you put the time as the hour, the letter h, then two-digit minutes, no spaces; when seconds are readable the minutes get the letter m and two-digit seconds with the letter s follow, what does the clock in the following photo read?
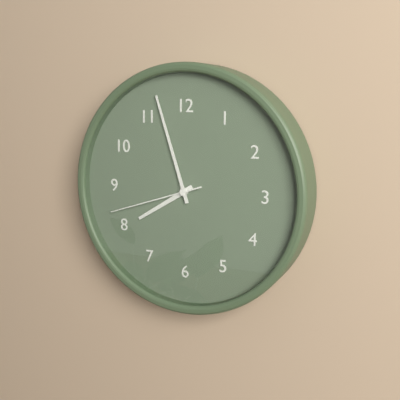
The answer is 7h57m42s
